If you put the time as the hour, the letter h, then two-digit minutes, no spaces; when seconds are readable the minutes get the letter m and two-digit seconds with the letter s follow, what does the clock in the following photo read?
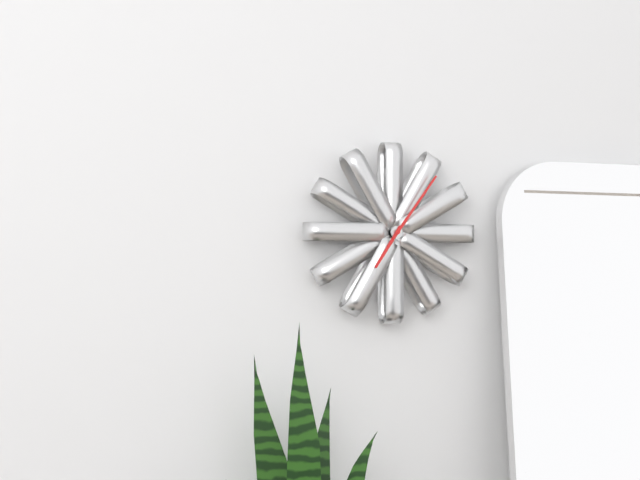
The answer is 7h06
